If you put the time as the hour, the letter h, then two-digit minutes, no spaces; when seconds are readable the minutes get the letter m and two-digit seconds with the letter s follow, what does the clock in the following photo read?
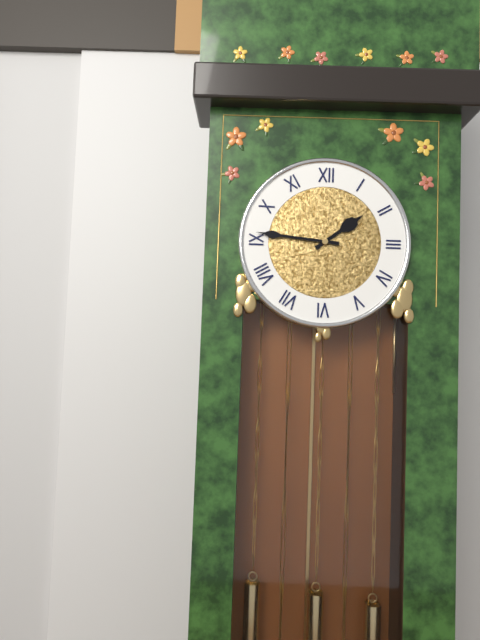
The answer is 1h46
